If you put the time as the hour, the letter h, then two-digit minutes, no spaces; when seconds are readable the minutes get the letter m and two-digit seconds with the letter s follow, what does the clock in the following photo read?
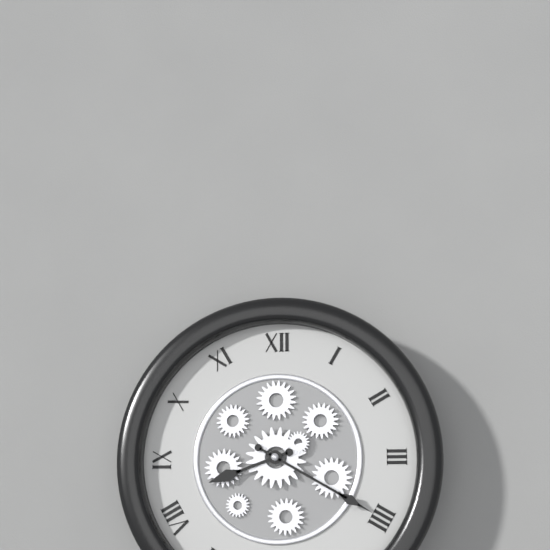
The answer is 8h20
